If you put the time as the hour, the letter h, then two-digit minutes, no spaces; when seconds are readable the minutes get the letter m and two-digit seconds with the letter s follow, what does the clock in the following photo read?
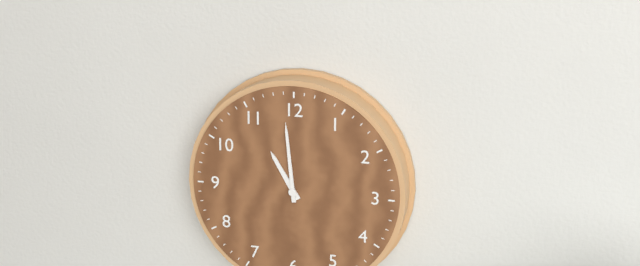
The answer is 10h59
